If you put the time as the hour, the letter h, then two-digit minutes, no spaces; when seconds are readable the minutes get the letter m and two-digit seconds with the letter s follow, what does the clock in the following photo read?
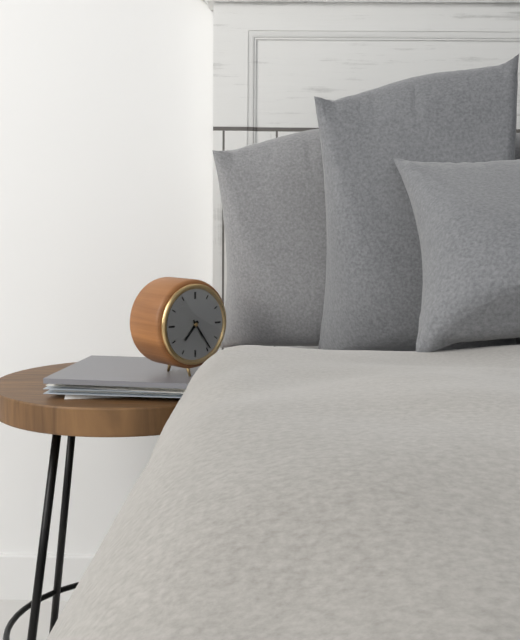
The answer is 7h24
